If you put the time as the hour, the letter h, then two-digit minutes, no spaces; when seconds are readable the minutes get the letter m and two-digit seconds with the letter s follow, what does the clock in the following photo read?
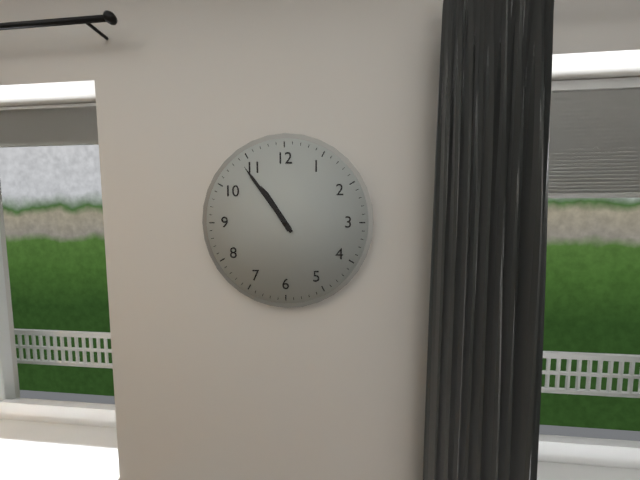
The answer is 10h54
